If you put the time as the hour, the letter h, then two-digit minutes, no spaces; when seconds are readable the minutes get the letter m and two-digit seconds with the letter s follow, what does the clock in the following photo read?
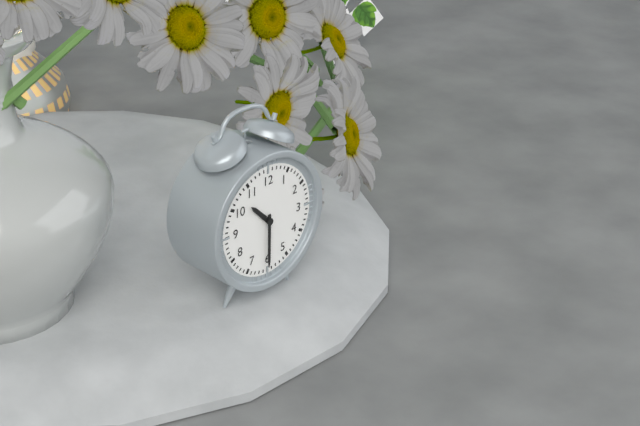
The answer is 10h30
